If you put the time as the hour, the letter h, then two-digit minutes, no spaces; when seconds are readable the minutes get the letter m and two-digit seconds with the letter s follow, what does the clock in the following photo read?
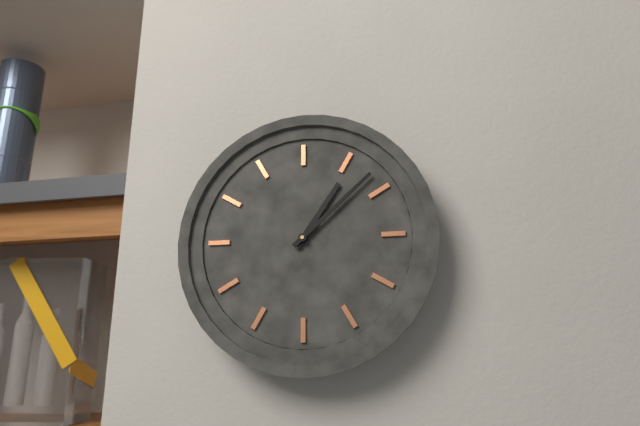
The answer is 1h08
